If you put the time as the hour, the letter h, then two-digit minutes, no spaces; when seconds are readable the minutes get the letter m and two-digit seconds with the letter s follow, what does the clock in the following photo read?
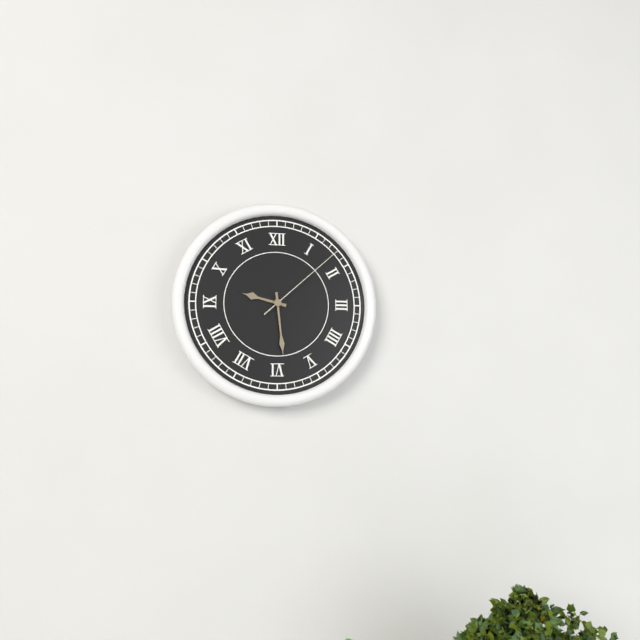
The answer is 9h29m08s
